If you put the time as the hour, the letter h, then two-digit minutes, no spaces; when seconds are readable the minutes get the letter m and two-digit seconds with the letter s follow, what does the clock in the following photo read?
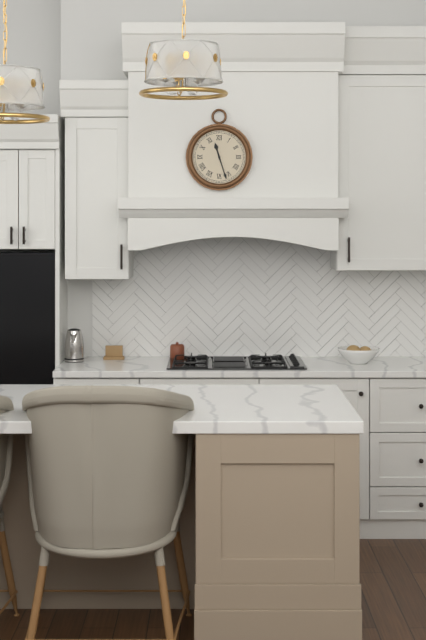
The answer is 11h27
